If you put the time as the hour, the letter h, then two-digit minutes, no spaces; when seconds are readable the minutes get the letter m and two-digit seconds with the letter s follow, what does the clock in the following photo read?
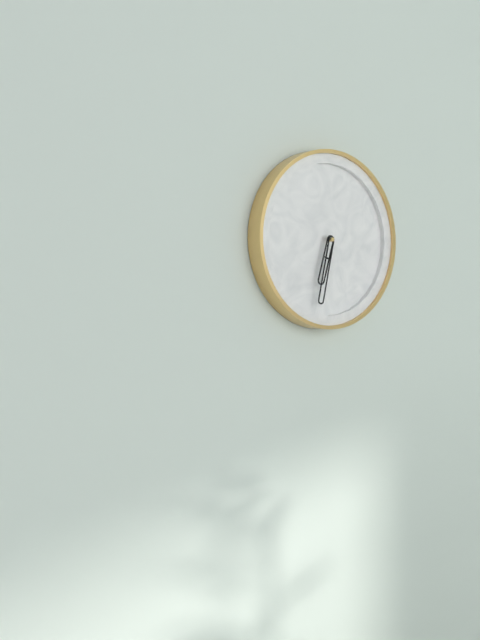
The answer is 6h32
